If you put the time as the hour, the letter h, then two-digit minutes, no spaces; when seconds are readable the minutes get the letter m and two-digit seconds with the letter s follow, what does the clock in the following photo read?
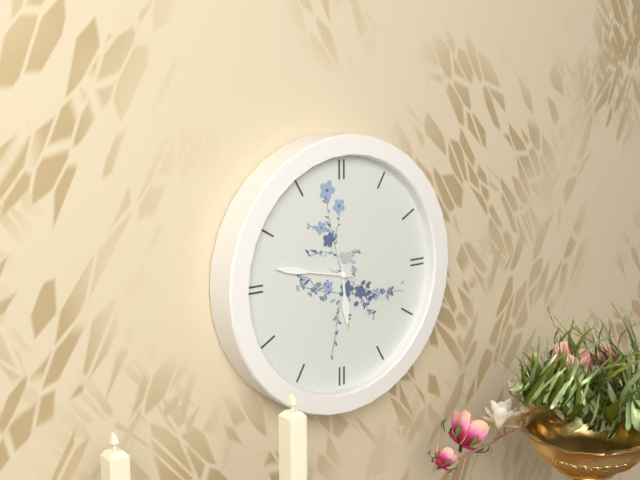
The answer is 5h47m20s
